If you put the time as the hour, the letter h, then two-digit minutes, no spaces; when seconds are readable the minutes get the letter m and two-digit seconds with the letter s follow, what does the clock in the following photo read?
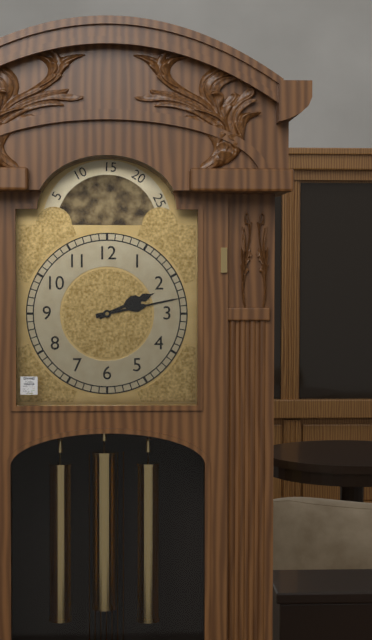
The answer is 2h13
